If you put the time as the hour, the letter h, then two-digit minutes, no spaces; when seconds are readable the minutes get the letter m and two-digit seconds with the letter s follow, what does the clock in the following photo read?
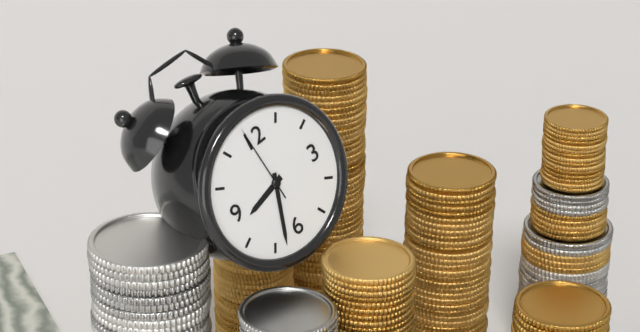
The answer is 8h33m59s
